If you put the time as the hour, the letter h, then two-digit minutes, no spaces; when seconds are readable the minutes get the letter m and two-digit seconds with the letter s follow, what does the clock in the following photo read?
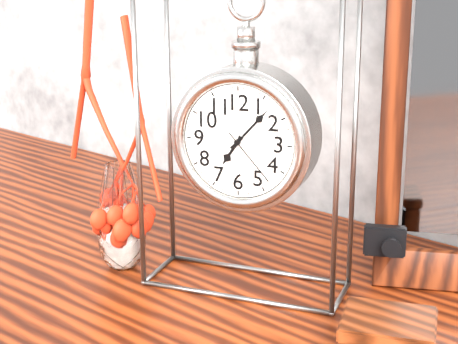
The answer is 7h07m23s
